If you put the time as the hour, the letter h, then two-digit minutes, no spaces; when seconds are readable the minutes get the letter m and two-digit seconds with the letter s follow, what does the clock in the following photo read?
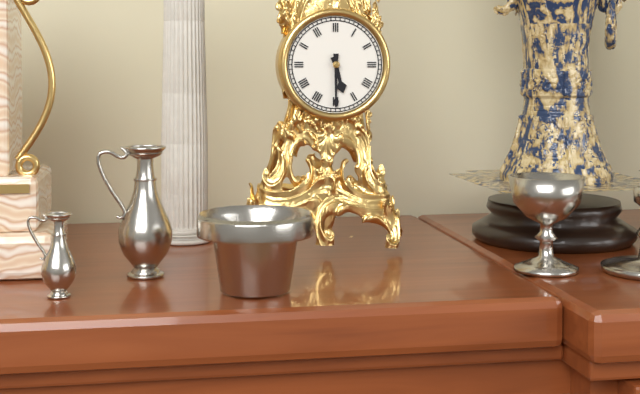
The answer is 5h30
